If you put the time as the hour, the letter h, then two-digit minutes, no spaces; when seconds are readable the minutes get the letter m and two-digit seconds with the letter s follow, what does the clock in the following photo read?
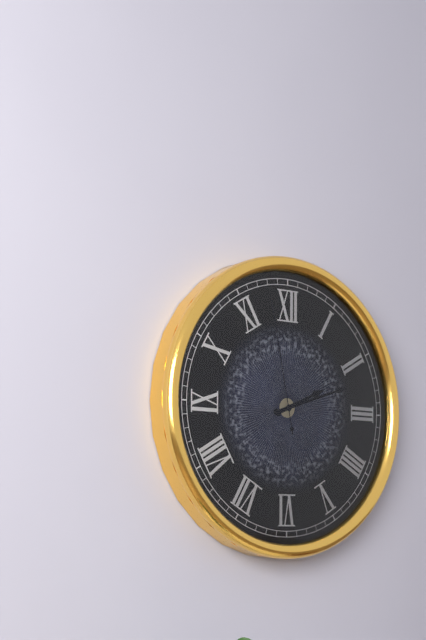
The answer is 2h12m58s
